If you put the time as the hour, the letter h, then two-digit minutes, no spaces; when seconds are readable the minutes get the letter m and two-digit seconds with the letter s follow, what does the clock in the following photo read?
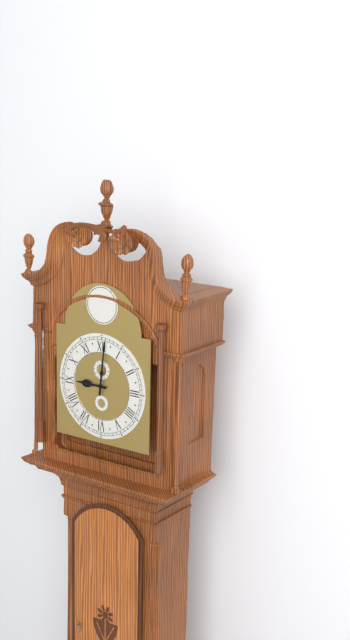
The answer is 9h01
